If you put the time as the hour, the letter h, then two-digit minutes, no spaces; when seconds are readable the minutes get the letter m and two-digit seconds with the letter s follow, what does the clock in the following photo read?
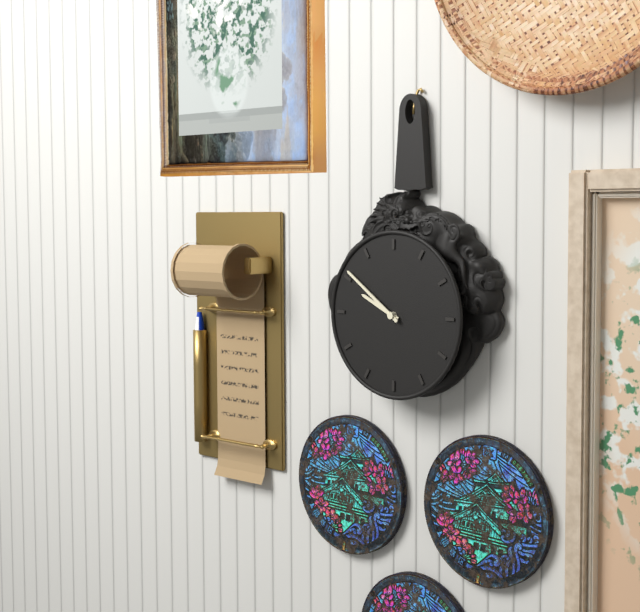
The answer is 9h51
